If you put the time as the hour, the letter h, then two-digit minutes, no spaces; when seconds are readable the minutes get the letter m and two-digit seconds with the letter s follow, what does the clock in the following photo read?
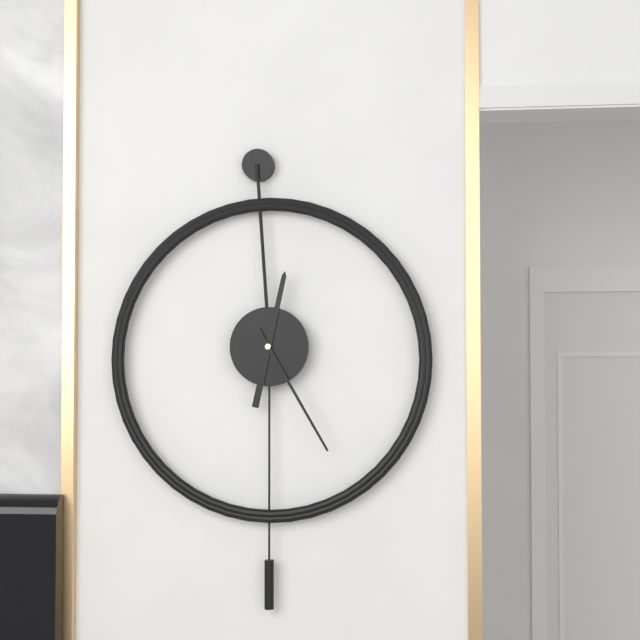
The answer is 12h25
